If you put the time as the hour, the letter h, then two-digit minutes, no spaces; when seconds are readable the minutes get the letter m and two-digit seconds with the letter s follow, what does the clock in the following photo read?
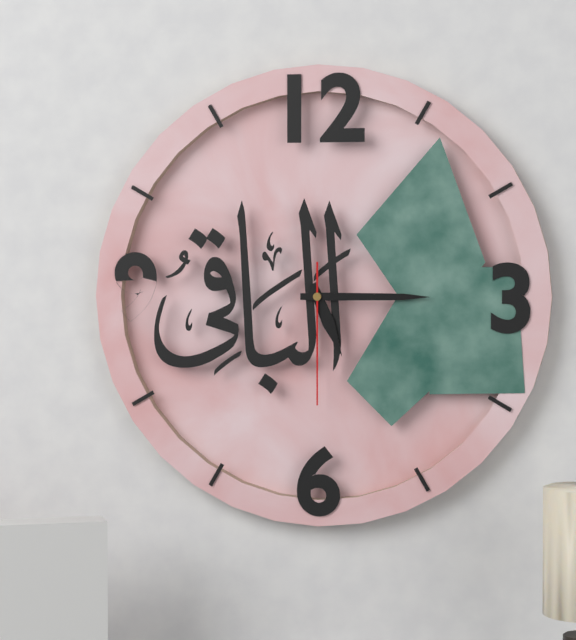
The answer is 5h15m30s
